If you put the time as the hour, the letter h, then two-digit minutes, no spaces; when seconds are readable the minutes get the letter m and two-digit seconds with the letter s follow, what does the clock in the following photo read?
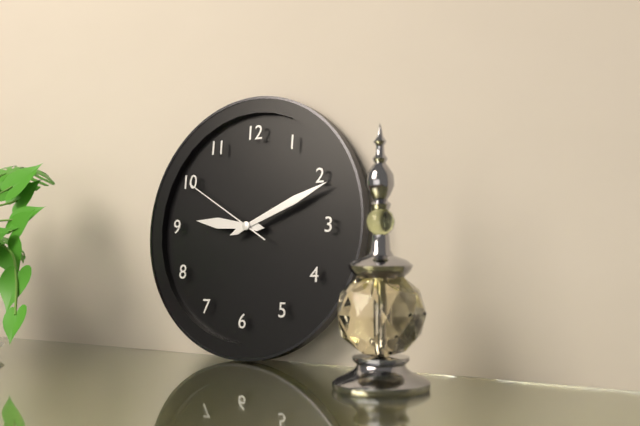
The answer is 9h11m50s
